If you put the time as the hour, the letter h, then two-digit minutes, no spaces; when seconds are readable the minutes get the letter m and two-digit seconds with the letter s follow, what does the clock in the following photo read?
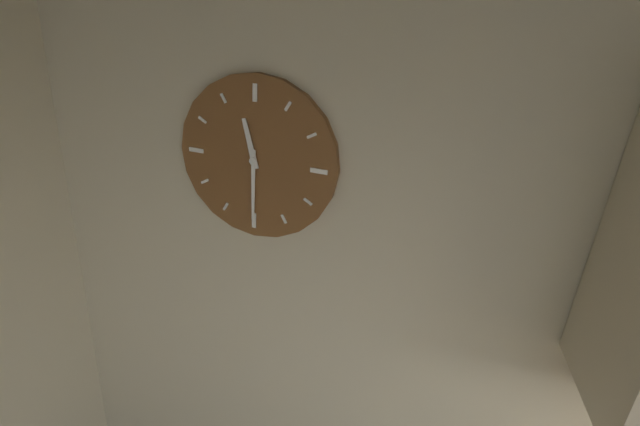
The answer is 11h30
